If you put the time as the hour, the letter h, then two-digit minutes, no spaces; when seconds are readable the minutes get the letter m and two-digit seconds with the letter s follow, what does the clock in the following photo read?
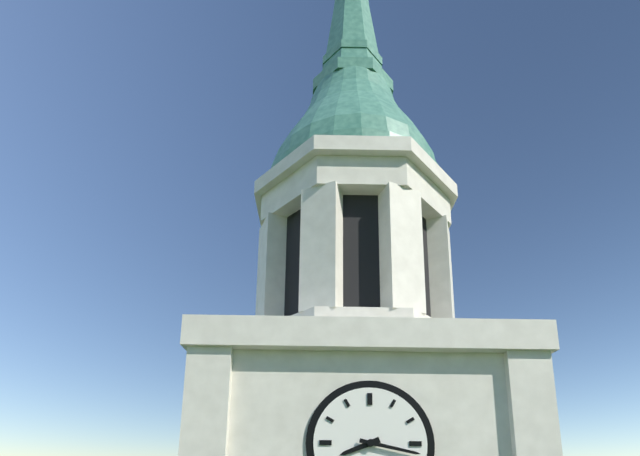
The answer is 8h17
